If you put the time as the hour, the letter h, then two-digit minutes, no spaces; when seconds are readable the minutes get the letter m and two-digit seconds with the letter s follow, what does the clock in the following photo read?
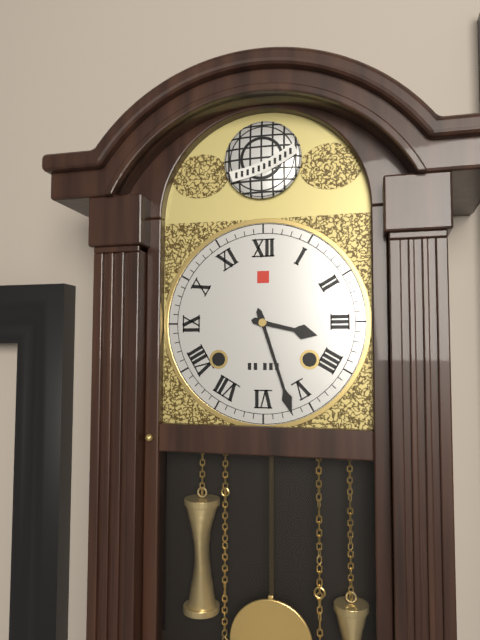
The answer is 3h27
